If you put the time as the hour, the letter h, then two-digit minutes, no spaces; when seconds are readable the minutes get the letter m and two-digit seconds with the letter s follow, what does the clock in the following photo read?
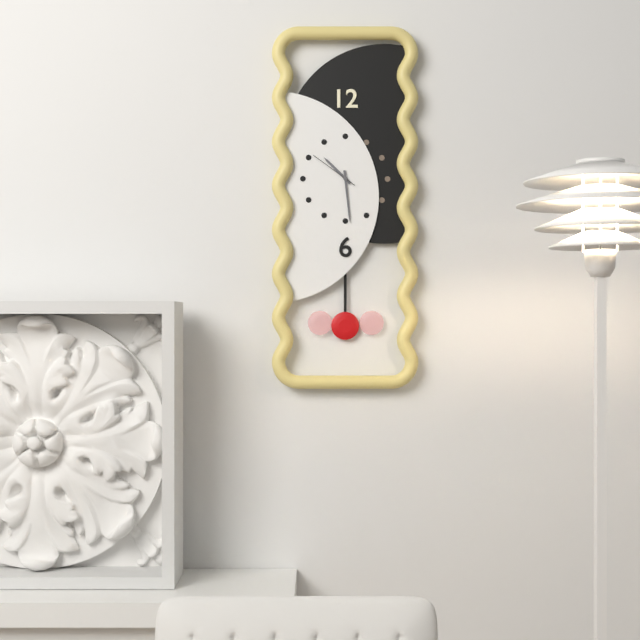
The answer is 10h29
